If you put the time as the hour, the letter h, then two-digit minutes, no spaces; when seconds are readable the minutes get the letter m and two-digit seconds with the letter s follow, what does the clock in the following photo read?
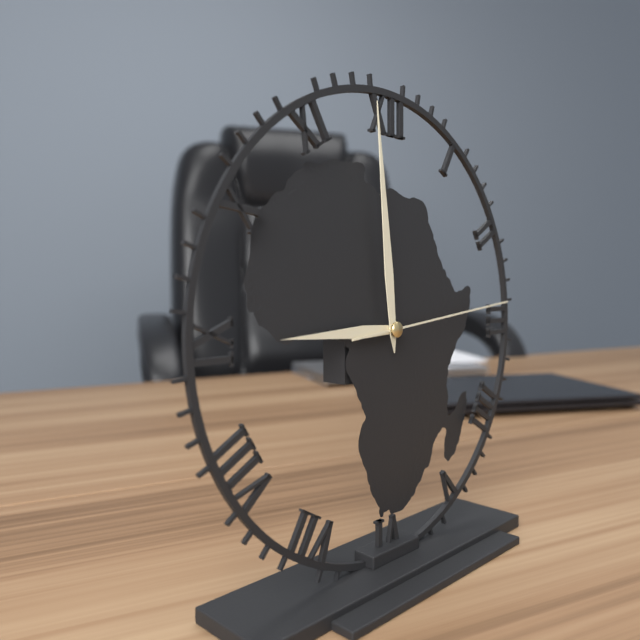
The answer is 8h59m14s
